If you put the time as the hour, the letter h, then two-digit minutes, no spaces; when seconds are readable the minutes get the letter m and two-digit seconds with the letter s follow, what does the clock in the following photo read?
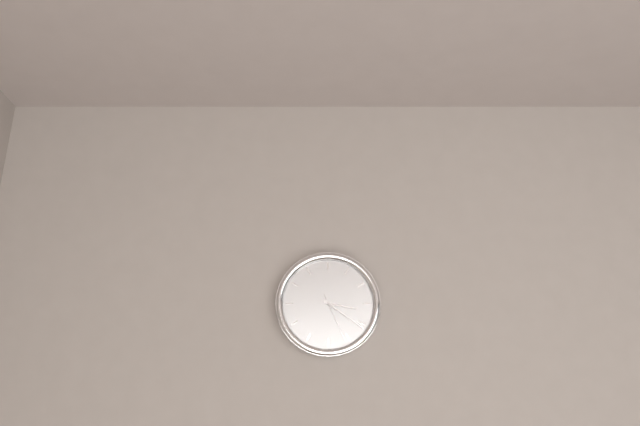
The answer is 3h21
